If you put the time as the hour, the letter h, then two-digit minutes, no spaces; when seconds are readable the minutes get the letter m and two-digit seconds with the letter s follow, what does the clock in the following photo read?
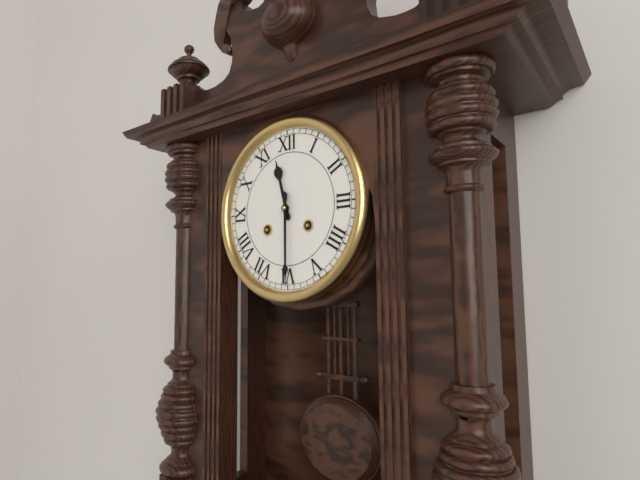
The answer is 11h30
